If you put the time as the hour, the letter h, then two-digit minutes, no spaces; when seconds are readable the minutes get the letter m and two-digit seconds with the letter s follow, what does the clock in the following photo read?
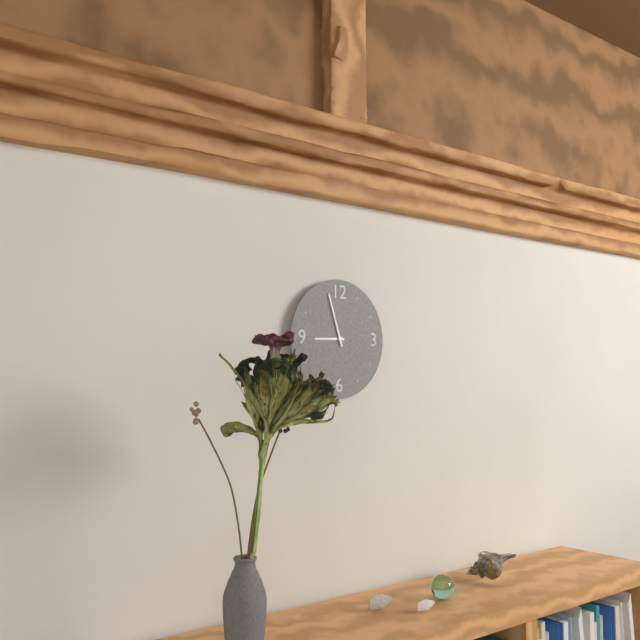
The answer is 8h57
